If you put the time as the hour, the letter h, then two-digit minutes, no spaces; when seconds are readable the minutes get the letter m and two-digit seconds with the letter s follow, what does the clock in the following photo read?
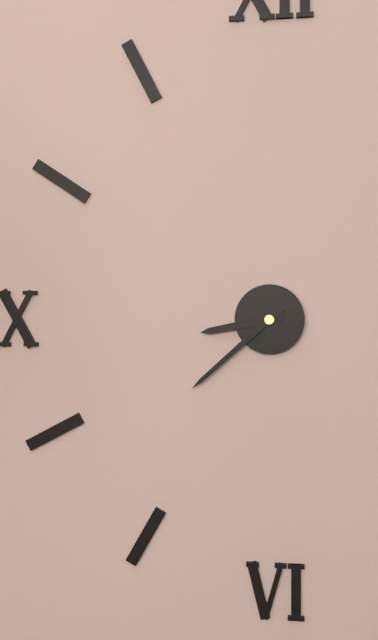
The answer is 8h38
